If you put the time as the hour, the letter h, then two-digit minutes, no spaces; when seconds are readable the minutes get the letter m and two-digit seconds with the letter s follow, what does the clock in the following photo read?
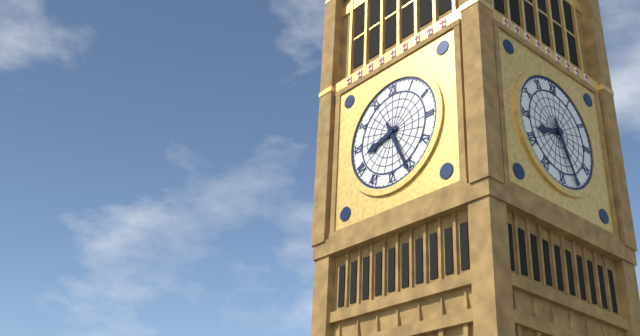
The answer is 8h26
